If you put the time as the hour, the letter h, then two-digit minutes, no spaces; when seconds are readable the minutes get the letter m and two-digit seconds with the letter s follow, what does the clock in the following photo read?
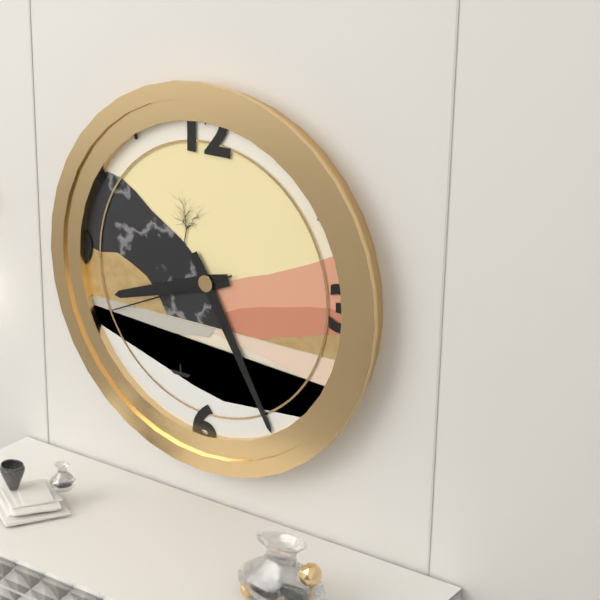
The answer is 8h25m41s
